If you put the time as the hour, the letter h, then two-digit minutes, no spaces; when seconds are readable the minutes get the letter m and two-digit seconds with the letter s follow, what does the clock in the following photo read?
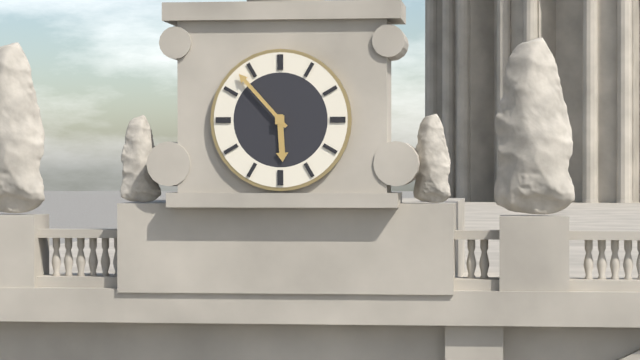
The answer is 5h53
